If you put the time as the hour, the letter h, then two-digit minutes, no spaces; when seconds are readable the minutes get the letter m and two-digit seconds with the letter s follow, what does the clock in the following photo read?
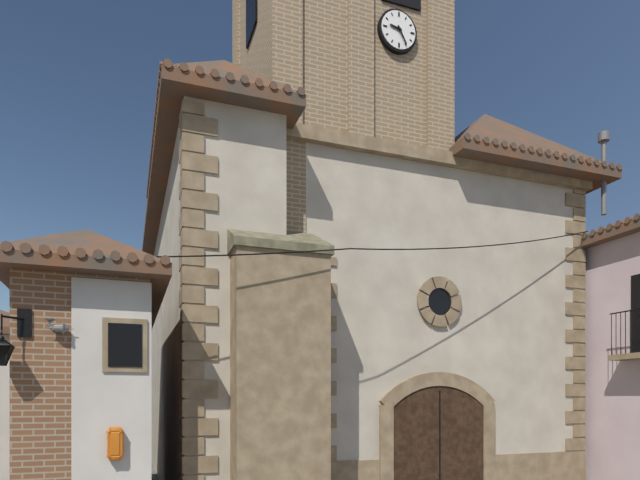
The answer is 9h25
